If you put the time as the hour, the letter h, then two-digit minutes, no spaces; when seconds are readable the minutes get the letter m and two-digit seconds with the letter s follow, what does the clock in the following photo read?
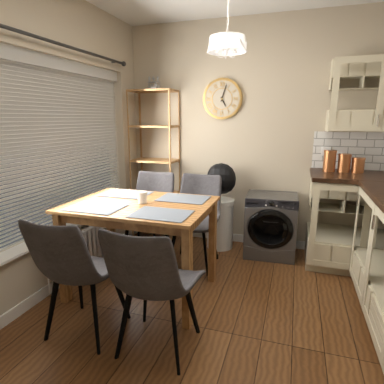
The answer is 5h03
